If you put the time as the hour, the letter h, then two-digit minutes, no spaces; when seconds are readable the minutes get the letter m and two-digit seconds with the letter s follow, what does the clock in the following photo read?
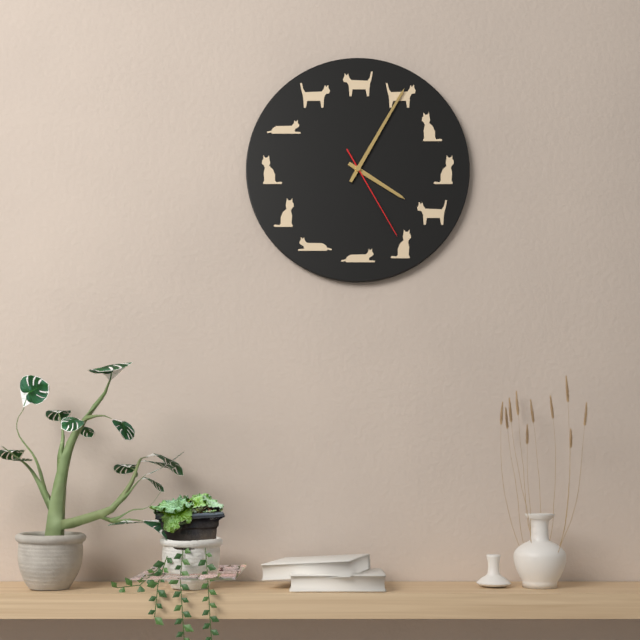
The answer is 4h05m25s
